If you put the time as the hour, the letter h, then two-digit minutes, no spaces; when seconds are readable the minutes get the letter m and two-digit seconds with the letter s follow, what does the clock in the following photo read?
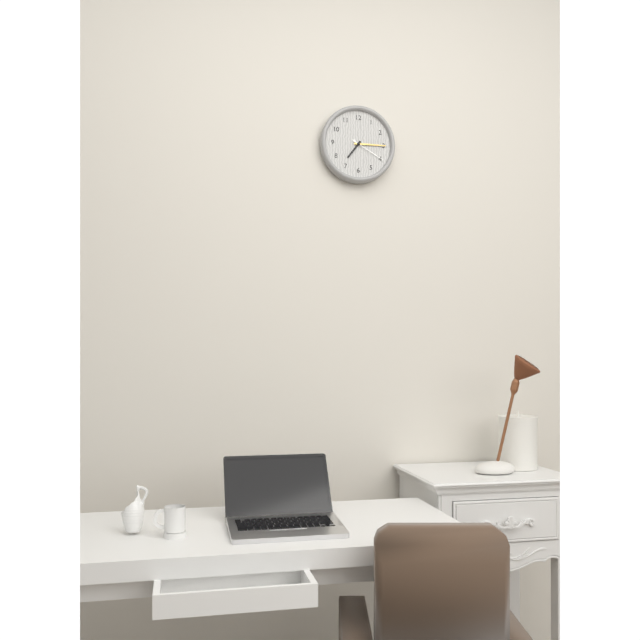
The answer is 7h15
